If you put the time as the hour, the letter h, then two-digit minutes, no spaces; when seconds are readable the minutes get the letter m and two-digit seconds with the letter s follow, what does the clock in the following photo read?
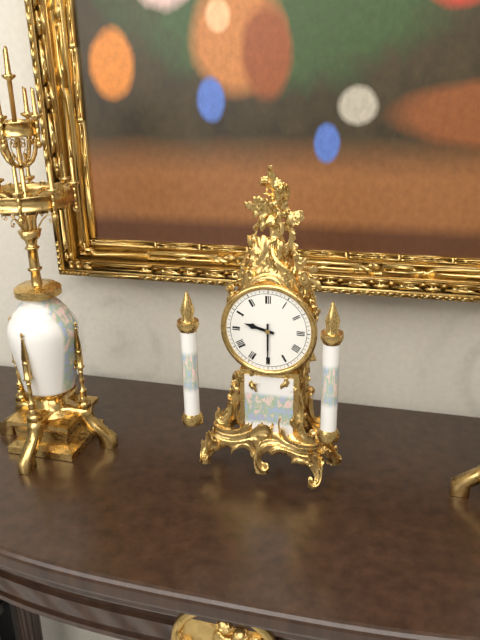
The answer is 9h30
